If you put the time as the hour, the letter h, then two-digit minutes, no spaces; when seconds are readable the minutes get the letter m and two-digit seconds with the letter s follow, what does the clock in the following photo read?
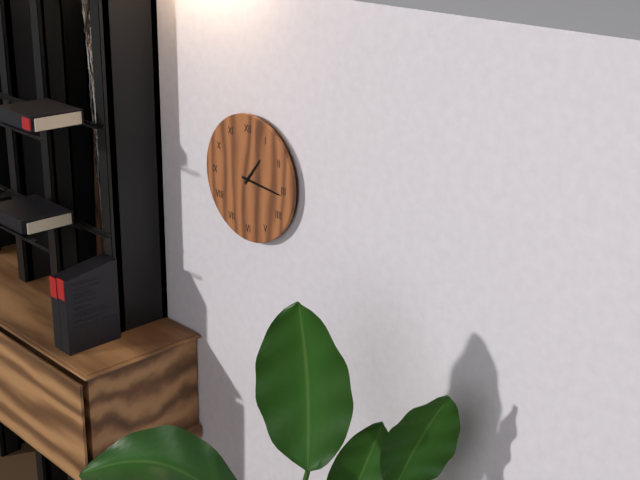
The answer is 1h16
